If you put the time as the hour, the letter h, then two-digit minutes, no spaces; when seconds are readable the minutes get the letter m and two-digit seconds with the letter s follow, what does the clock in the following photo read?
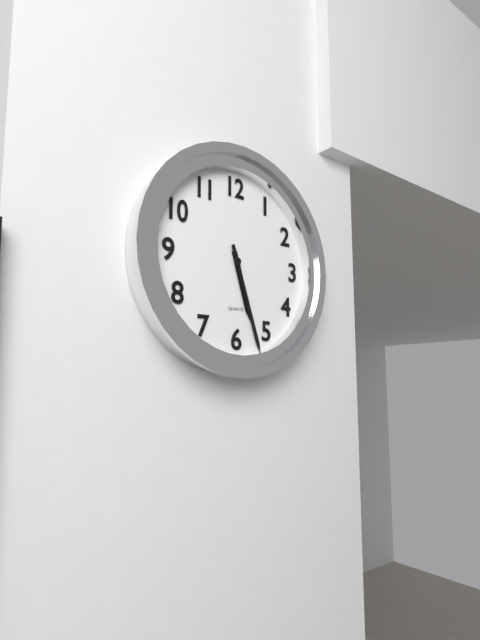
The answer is 5h27
